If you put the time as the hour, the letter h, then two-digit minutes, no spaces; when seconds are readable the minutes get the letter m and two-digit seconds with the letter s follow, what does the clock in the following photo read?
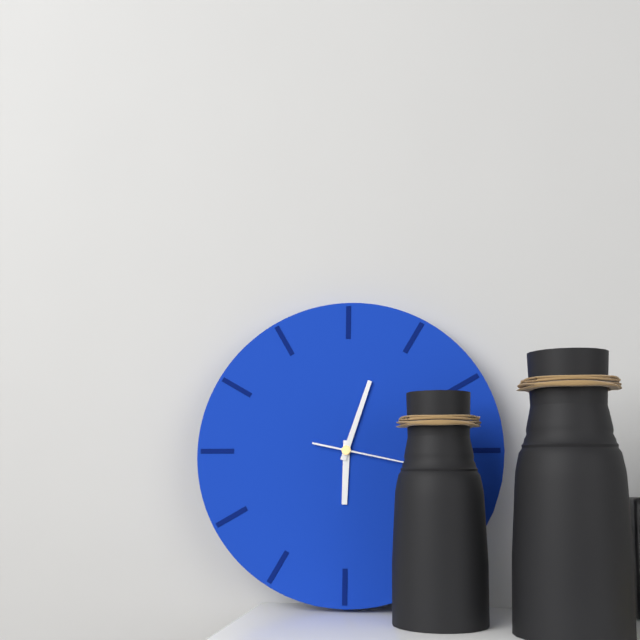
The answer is 6h03
